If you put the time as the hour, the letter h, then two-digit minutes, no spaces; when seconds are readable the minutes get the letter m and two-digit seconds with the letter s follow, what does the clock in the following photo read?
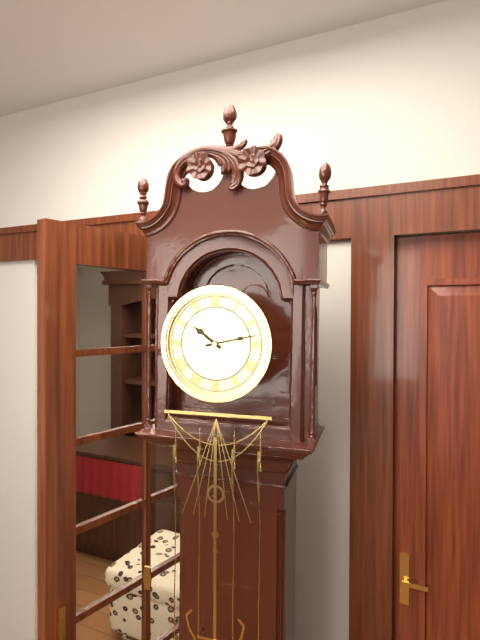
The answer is 10h13
